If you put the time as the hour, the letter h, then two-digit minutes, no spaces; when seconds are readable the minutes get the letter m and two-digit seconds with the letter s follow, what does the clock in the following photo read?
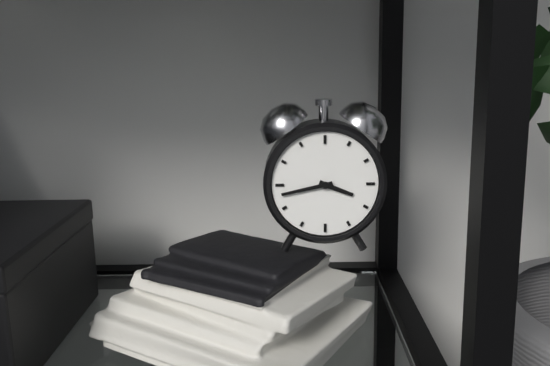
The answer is 3h43
